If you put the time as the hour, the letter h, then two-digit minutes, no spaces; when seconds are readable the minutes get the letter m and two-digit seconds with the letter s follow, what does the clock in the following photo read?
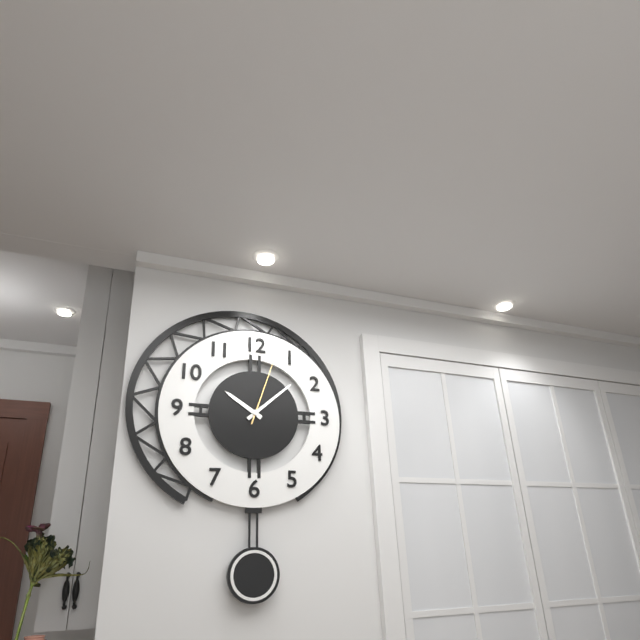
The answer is 10h08m03s
